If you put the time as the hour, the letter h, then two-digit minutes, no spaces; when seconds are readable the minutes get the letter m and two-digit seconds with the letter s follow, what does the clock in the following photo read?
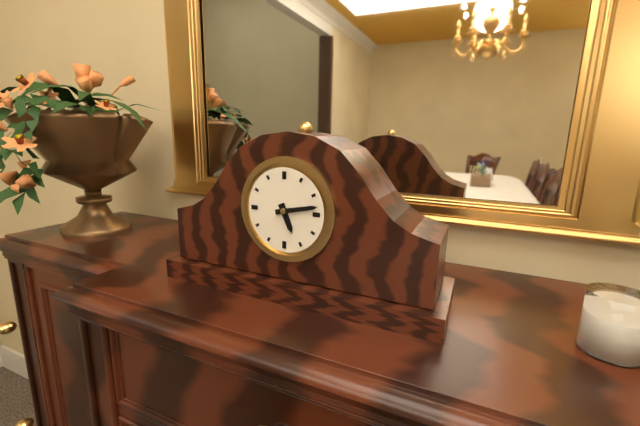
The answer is 5h13
